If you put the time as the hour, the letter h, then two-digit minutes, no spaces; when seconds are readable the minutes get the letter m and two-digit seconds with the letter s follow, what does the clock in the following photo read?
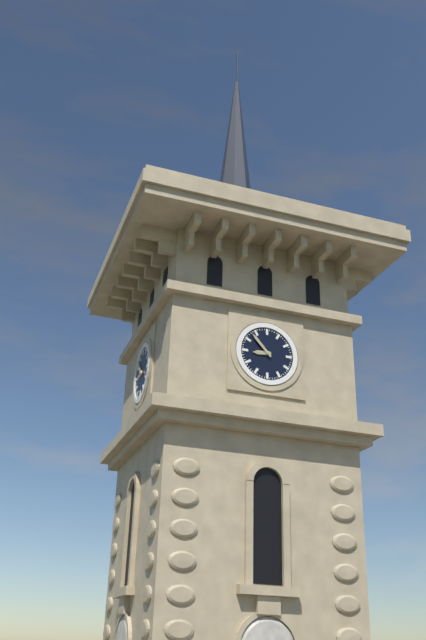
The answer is 8h53
